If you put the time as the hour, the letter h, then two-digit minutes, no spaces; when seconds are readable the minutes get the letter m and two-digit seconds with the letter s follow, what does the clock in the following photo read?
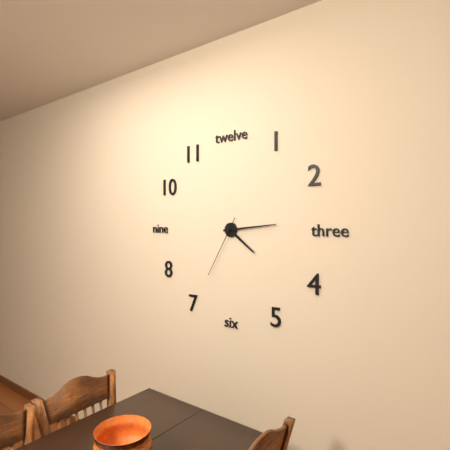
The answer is 4h14m35s
